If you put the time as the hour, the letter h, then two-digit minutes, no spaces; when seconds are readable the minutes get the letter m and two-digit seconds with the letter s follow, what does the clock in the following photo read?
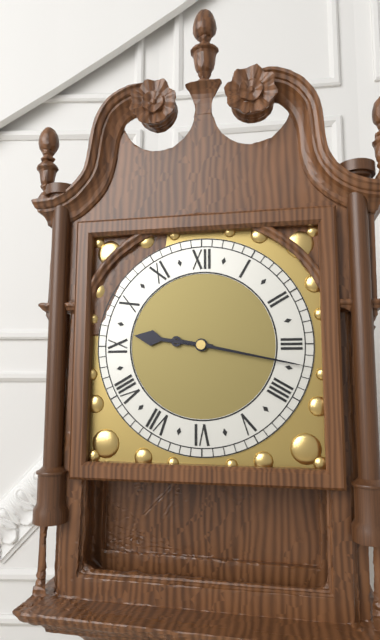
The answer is 9h17
